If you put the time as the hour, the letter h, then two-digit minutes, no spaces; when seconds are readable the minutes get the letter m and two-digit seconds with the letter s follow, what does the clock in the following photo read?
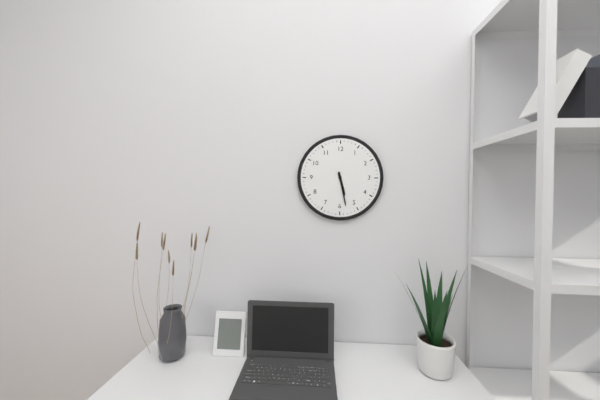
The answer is 5h28
